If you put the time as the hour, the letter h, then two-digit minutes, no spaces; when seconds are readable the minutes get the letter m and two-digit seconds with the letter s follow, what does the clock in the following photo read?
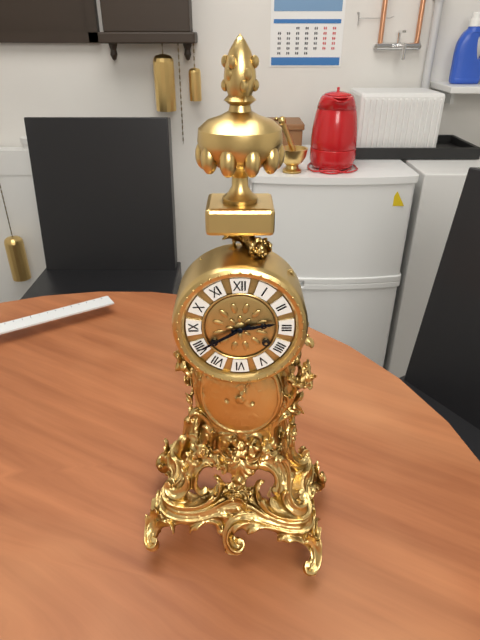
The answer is 2h40
